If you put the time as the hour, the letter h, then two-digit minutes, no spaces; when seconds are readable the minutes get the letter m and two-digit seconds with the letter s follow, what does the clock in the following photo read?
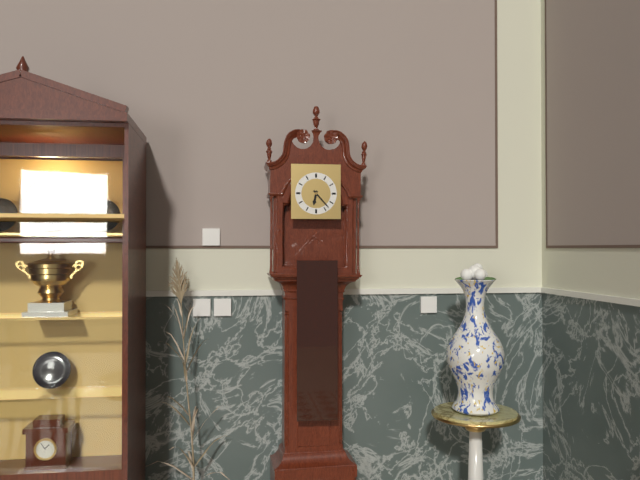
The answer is 6h23
